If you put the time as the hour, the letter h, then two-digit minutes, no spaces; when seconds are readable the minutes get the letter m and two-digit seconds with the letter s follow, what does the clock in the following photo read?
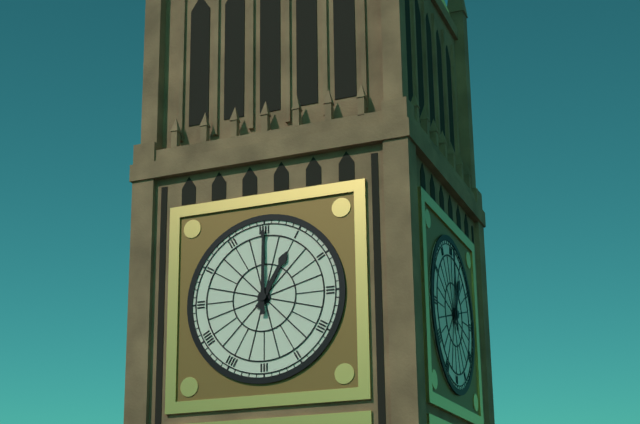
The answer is 1h00
